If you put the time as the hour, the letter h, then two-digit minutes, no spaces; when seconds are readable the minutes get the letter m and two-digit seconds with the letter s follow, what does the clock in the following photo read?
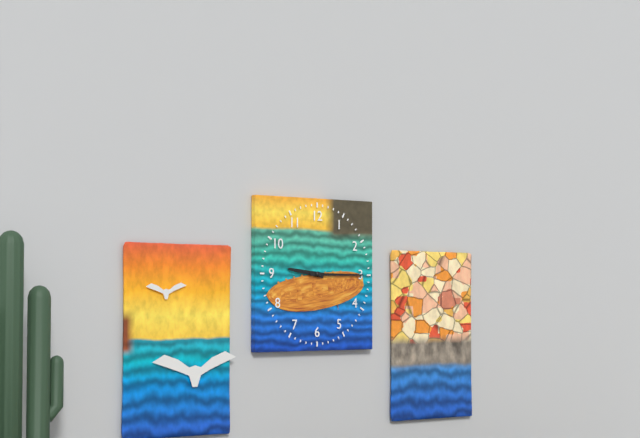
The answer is 9h15
